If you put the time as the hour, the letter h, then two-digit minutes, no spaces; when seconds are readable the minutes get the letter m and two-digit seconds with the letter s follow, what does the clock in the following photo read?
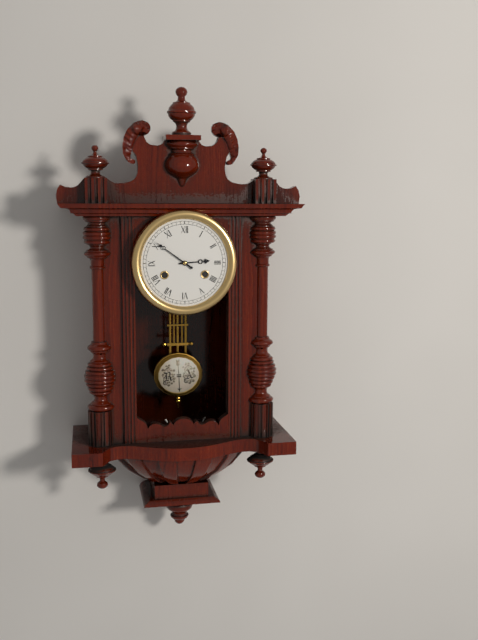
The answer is 2h51
